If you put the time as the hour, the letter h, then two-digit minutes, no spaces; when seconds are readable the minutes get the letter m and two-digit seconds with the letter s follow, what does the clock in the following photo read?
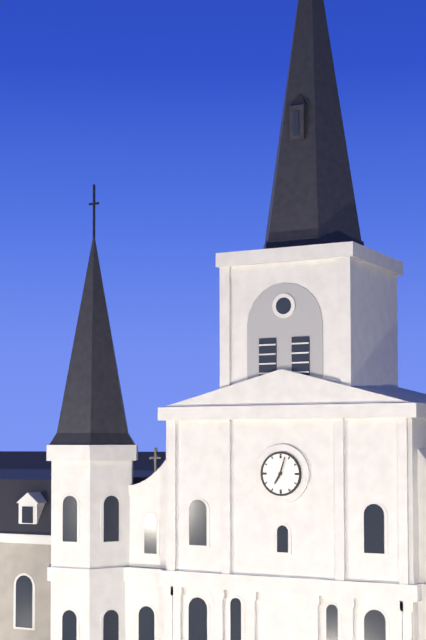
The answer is 7h03
